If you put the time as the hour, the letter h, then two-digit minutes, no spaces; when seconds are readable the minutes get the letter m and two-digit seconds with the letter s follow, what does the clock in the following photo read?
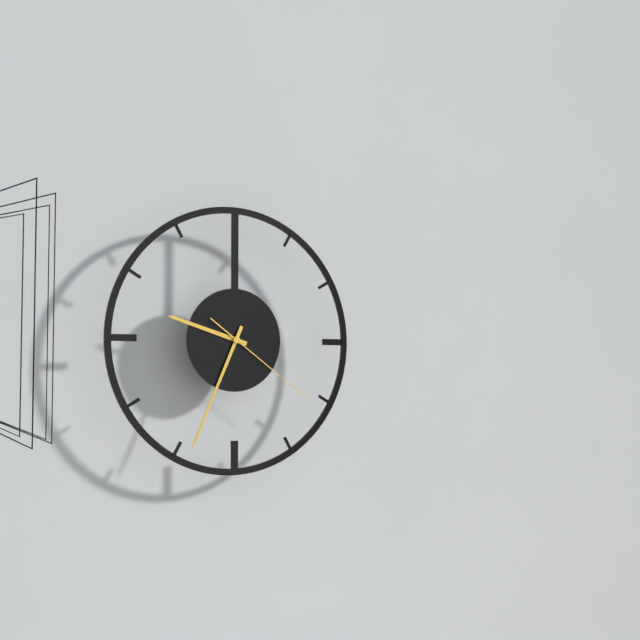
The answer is 9h34m21s
